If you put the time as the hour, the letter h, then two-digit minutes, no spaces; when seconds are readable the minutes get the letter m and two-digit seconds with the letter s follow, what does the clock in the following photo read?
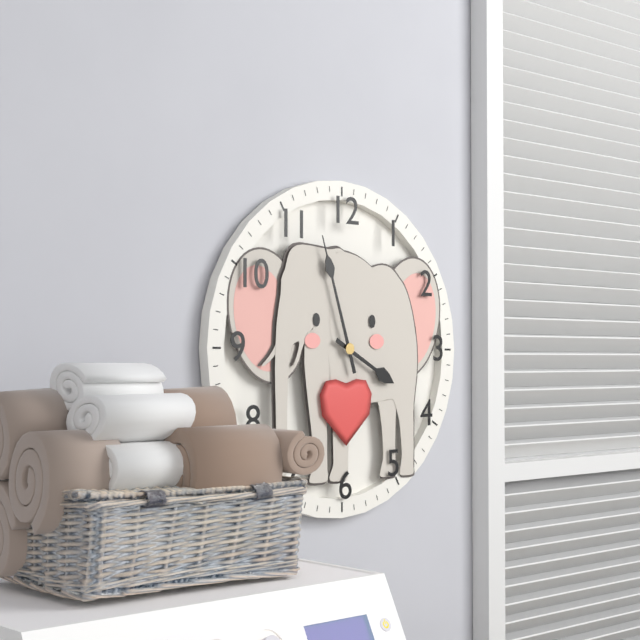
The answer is 3h57
